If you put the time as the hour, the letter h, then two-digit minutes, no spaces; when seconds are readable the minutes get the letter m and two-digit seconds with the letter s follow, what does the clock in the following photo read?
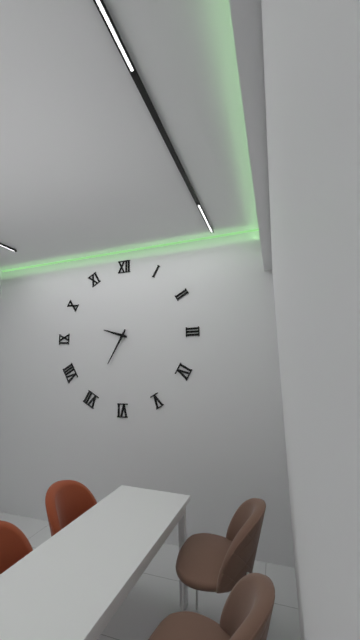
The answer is 9h35
